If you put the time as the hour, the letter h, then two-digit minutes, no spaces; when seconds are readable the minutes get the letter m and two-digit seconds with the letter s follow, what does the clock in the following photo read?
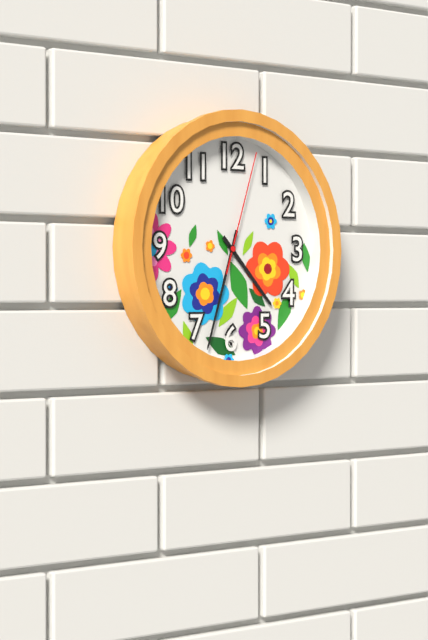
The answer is 4h33m03s
